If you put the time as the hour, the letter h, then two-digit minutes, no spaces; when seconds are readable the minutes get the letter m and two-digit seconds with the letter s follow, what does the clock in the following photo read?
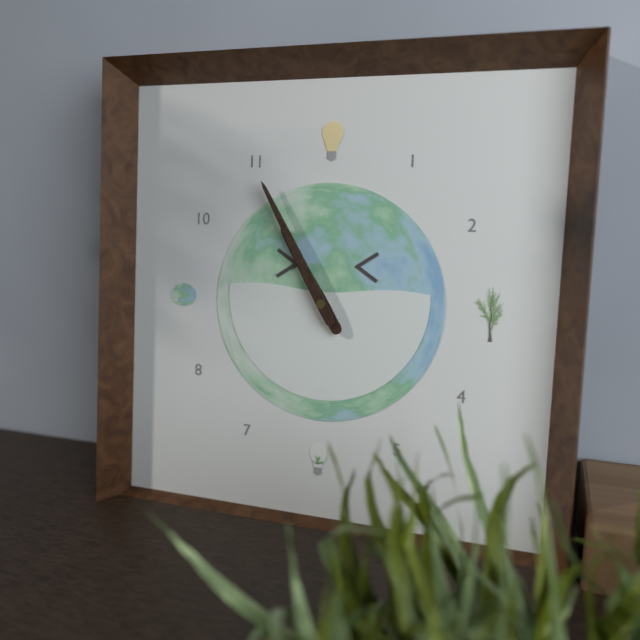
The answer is 10h55
